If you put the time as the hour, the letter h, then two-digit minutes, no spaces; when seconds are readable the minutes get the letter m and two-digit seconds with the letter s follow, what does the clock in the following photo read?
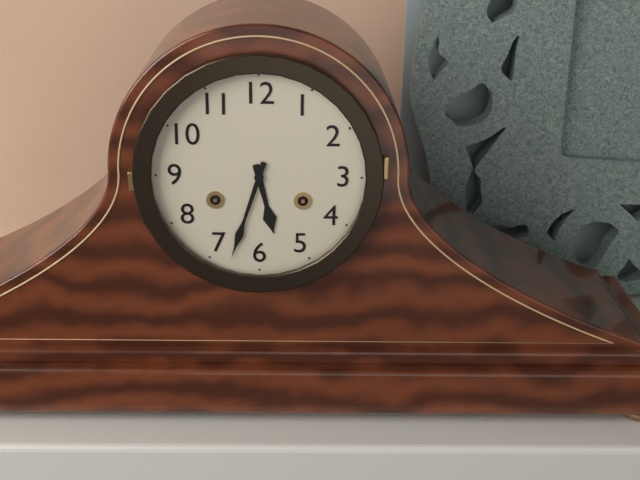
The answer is 5h33
